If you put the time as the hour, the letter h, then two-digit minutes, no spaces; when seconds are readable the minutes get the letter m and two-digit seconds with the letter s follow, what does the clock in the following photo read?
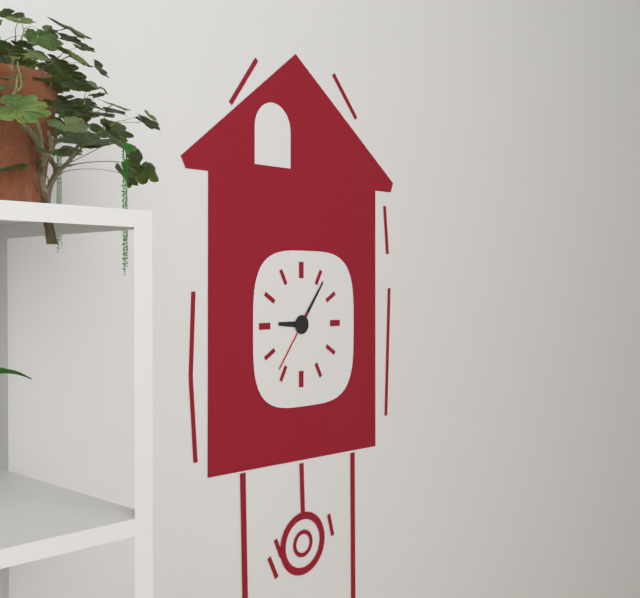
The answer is 9h06m36s
